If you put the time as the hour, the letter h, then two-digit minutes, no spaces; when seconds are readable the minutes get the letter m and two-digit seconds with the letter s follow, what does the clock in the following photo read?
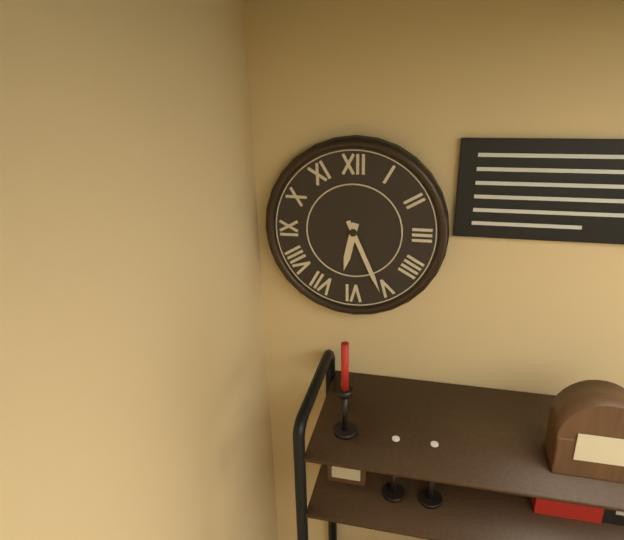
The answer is 6h26
